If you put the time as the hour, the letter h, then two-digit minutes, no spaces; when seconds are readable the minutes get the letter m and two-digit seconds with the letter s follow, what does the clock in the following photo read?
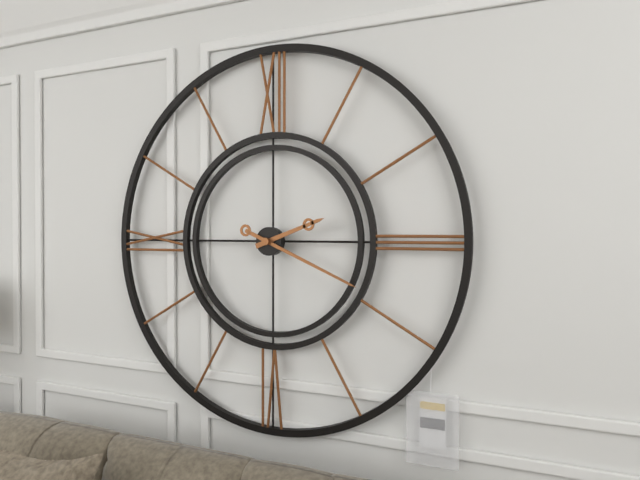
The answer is 2h19
